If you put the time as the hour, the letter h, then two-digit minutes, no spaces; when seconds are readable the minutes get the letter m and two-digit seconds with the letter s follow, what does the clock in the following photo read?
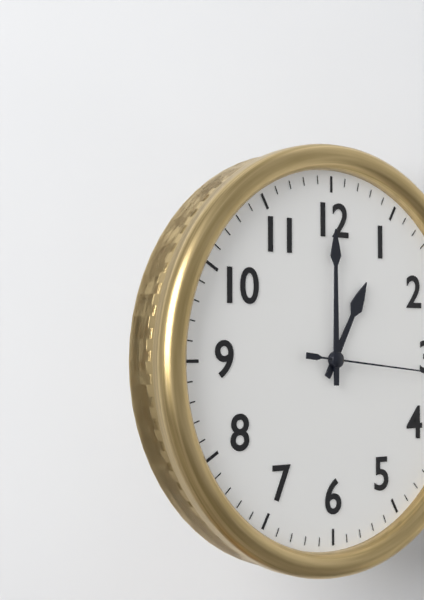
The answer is 1h00
